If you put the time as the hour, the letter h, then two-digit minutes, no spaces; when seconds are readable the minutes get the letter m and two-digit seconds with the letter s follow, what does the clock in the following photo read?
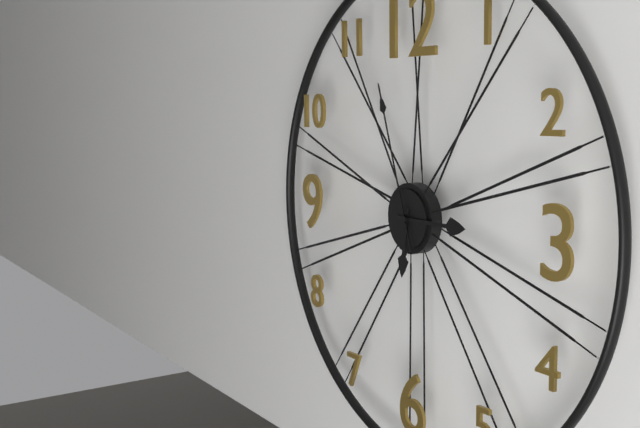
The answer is 6h15m57s
